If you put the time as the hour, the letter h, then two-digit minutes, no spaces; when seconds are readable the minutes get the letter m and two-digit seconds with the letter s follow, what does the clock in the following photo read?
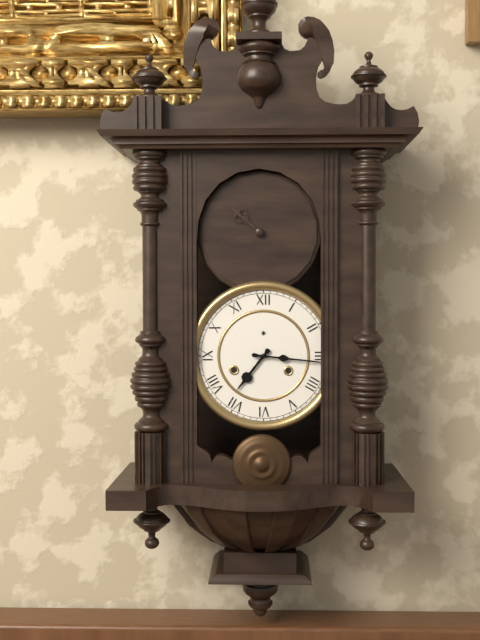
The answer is 7h16
